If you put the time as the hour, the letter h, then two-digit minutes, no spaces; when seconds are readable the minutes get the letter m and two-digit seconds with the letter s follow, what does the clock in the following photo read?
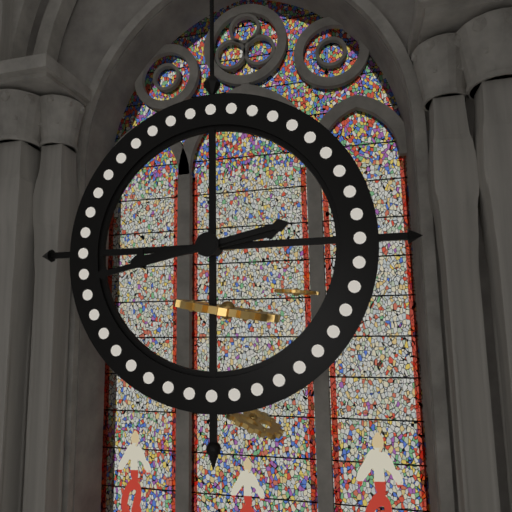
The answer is 8h43
